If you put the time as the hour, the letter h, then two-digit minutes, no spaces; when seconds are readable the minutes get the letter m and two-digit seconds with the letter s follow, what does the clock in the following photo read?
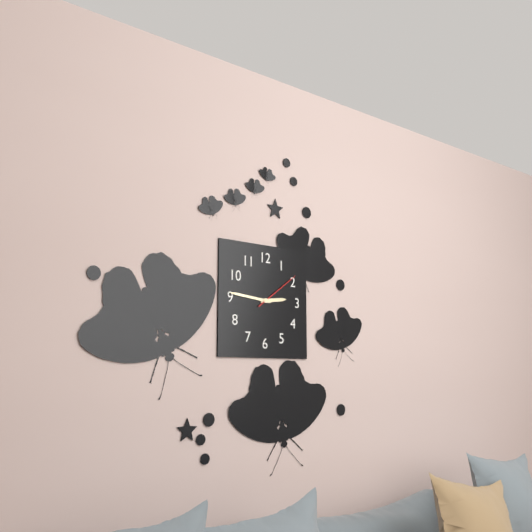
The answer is 2h46
